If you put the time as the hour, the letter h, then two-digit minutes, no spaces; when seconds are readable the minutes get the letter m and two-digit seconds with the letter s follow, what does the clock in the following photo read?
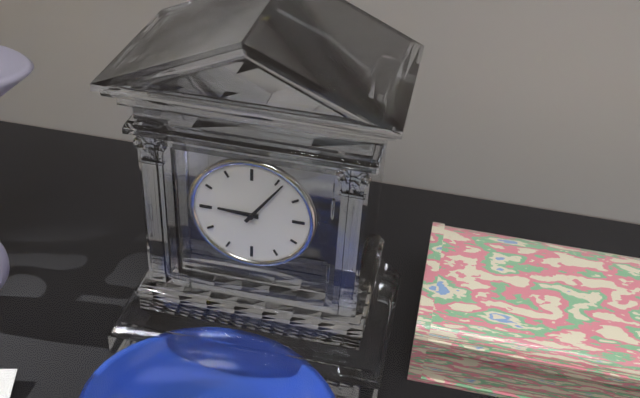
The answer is 9h06
